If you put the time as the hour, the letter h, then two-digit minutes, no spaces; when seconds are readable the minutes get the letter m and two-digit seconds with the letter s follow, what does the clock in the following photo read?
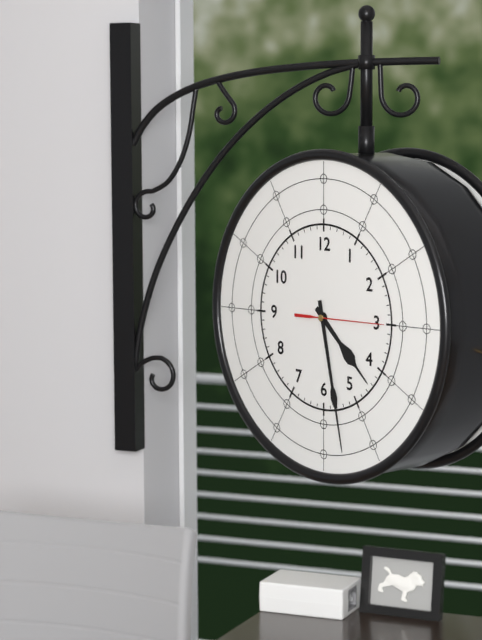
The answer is 4h28m15s
